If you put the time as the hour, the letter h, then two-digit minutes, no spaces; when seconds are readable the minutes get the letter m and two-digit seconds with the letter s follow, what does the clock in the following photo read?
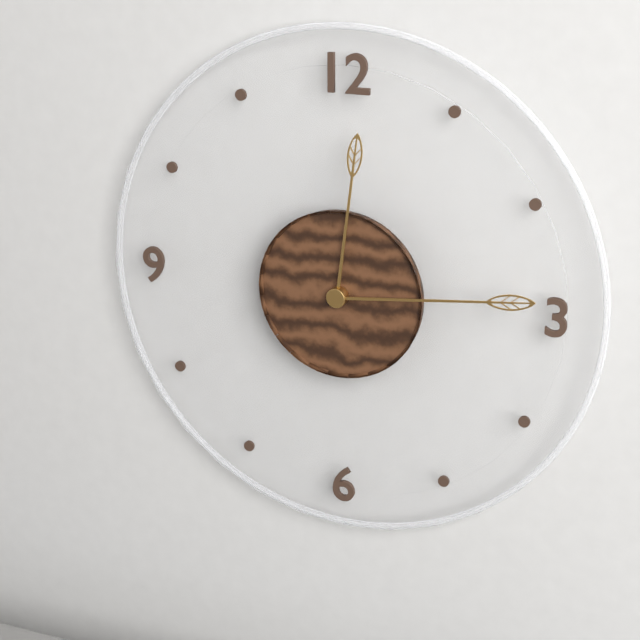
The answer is 12h14
